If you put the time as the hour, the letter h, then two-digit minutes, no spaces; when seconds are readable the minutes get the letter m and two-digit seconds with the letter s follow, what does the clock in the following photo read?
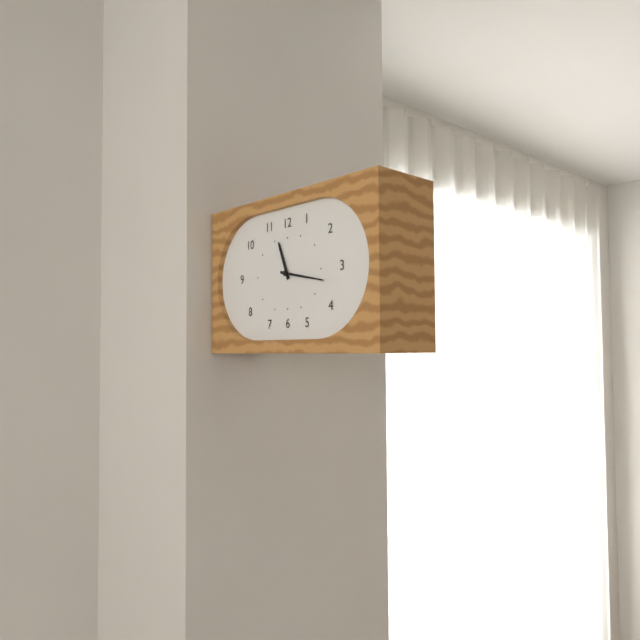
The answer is 11h17
